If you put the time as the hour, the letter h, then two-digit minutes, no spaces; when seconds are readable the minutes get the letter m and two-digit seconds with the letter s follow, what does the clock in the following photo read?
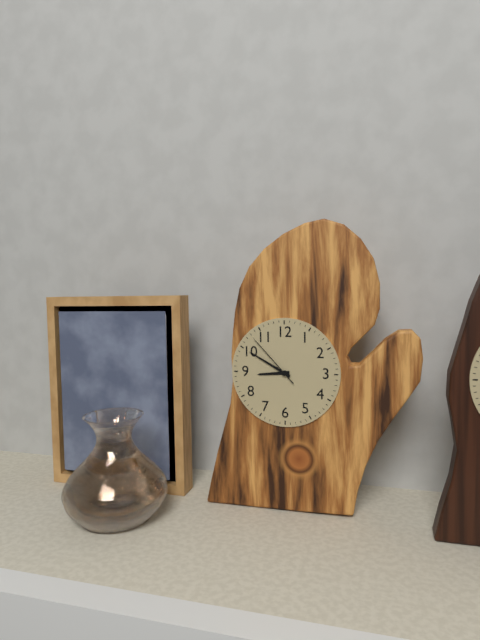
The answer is 8h50m53s
